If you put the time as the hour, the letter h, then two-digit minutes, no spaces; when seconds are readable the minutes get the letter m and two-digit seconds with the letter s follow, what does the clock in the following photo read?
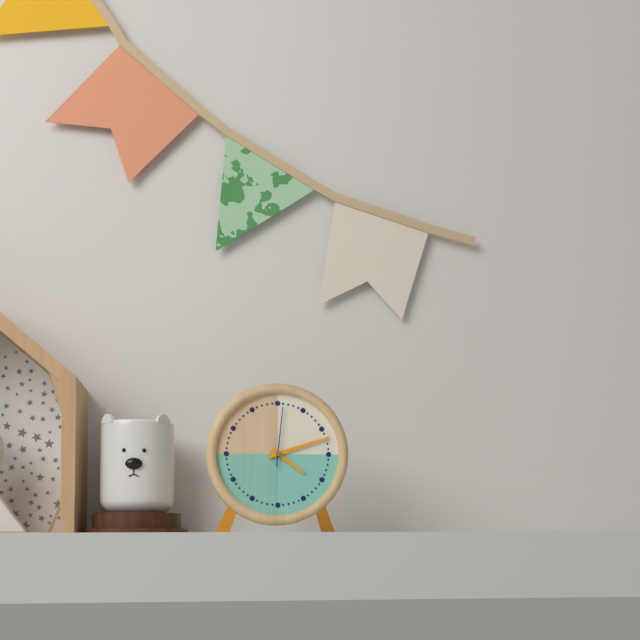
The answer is 4h12m01s
